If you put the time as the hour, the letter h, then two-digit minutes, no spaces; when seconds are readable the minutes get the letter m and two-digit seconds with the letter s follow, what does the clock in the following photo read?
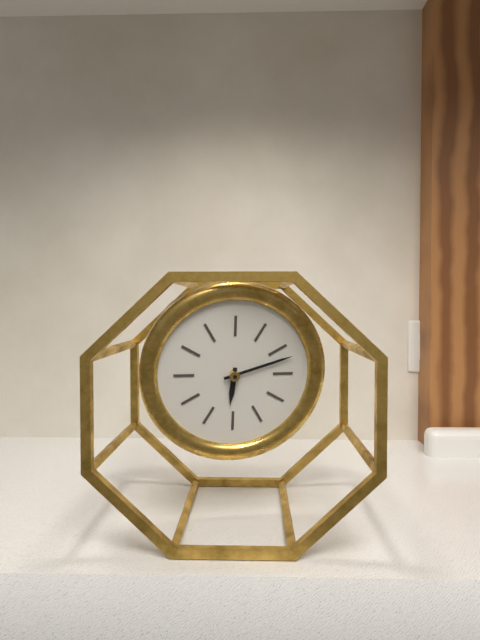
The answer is 6h12
